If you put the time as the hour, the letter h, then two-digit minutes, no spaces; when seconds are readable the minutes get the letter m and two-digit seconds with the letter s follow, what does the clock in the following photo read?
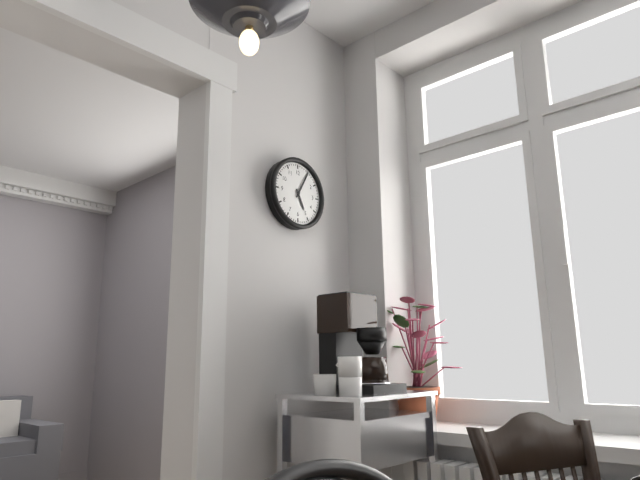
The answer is 5h05
